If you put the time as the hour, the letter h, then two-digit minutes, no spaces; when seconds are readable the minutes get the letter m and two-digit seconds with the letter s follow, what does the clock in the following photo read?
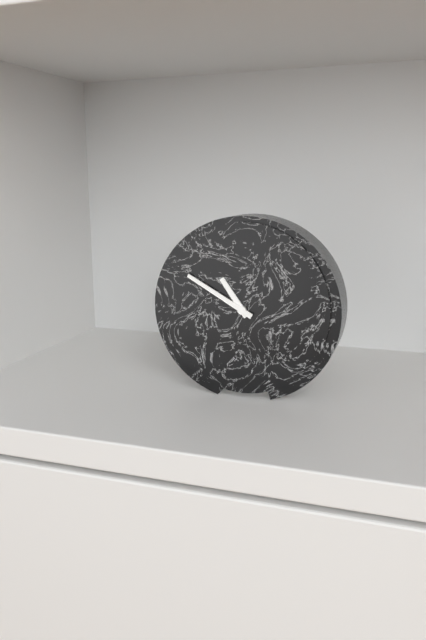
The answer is 10h50
